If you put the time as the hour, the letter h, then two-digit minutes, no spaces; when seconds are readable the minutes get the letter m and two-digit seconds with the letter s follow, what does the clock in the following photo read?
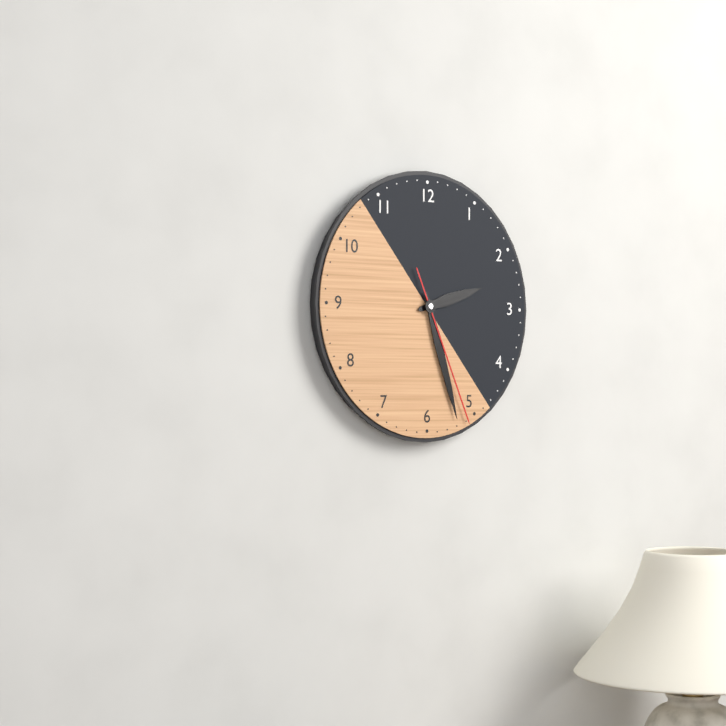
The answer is 2h27m26s
